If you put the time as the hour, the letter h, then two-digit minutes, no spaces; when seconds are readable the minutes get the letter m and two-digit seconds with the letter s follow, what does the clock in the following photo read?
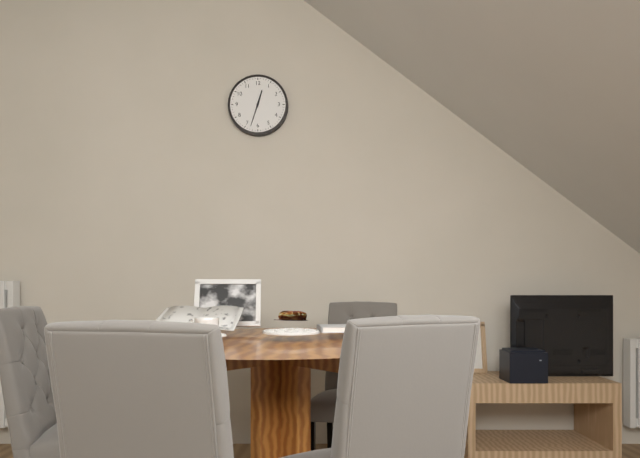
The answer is 12h33
